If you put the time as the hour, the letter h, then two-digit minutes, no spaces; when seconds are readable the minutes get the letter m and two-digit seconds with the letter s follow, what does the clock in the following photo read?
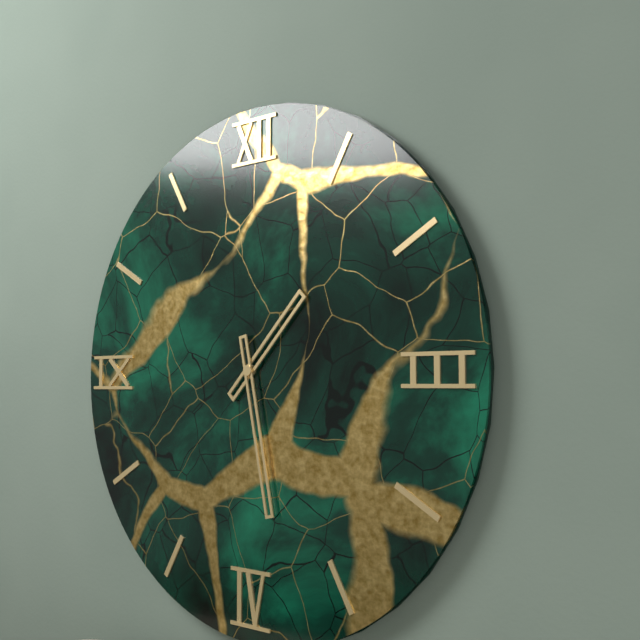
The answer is 1h28
